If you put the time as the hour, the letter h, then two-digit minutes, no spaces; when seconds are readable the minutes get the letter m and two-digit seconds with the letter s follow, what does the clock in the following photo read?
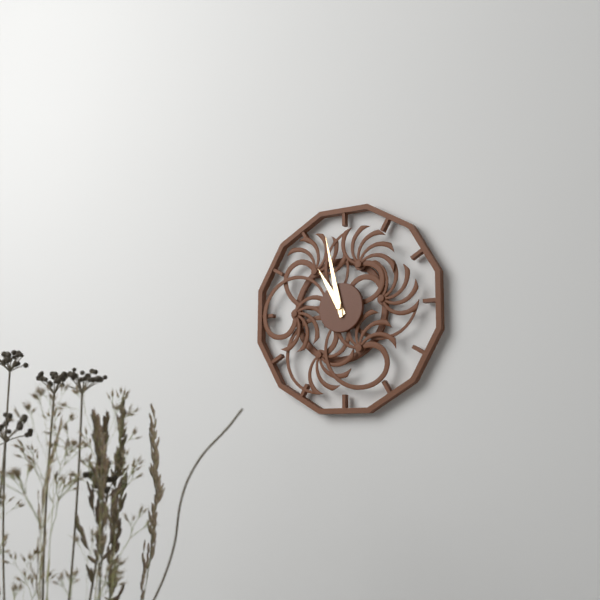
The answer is 10h58
